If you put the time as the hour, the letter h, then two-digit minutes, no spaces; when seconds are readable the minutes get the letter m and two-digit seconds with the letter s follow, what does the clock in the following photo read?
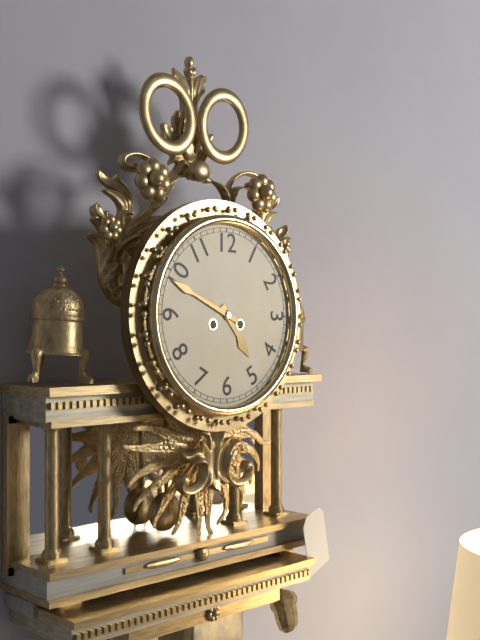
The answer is 4h49
